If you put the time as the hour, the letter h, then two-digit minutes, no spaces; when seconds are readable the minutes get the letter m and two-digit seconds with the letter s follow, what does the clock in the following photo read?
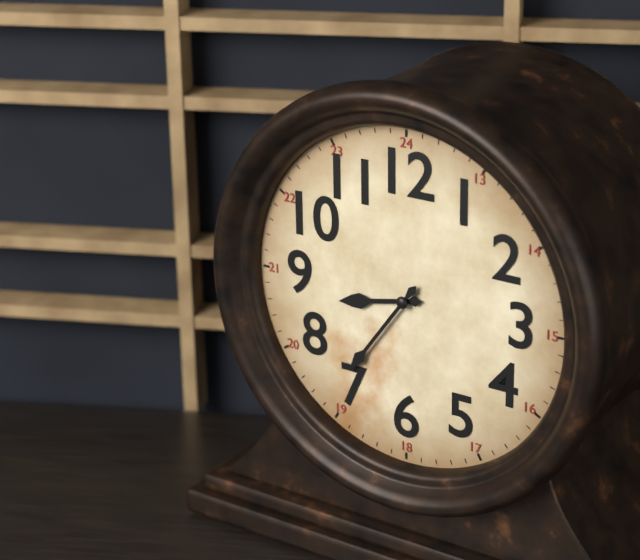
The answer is 8h36
